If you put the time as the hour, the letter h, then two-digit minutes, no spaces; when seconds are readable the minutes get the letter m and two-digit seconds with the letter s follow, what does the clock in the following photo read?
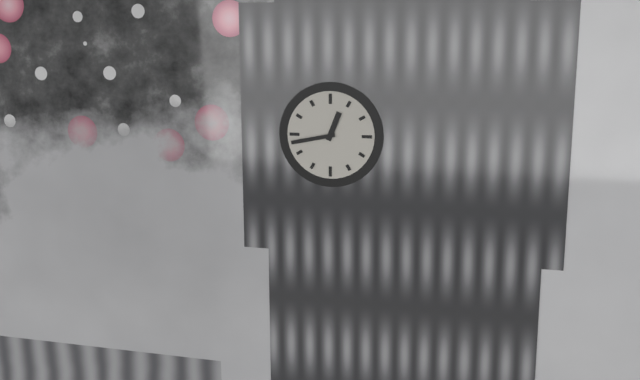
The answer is 12h43
